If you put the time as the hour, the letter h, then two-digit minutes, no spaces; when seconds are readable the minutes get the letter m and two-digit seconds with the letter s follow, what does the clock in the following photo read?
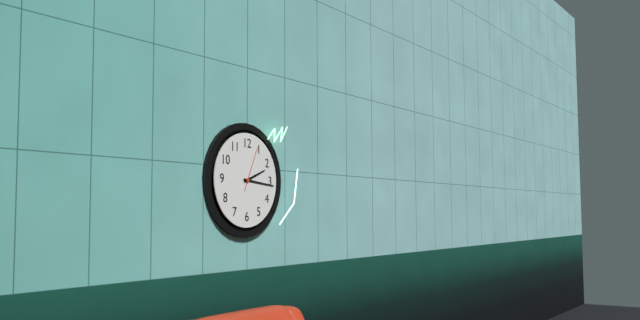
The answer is 2h16
